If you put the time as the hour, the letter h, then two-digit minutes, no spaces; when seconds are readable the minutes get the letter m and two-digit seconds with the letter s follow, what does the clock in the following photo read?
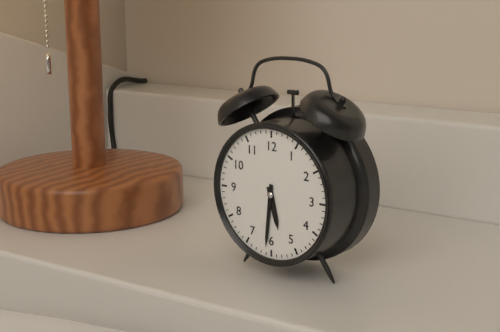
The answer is 5h31
